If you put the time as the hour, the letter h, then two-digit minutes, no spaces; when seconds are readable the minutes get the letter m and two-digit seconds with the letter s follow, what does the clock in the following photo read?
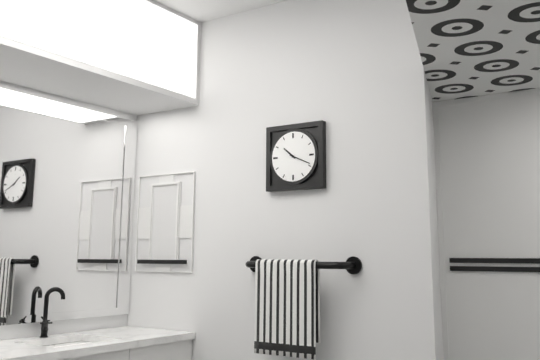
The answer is 10h19
